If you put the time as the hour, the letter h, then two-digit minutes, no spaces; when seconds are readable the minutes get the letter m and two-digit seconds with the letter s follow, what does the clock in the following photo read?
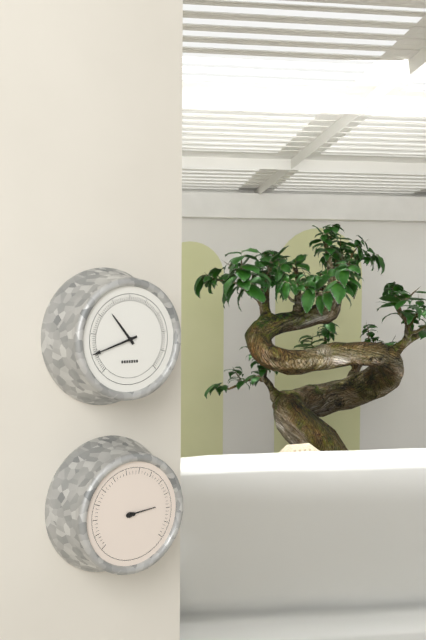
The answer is 10h42
